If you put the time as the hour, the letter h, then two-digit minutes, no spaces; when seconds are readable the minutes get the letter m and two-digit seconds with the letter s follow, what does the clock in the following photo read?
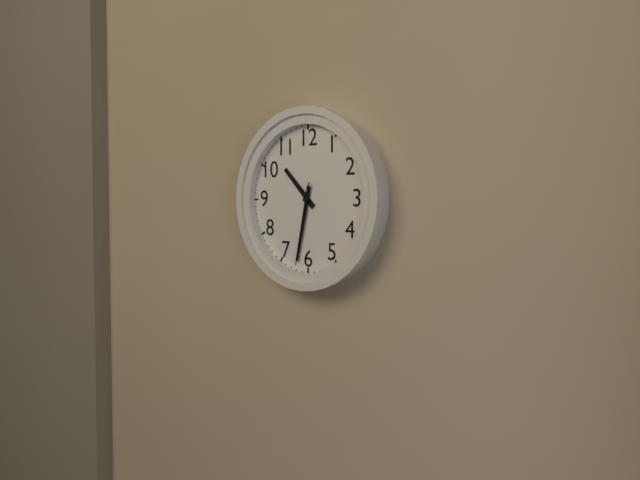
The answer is 10h32m32s
